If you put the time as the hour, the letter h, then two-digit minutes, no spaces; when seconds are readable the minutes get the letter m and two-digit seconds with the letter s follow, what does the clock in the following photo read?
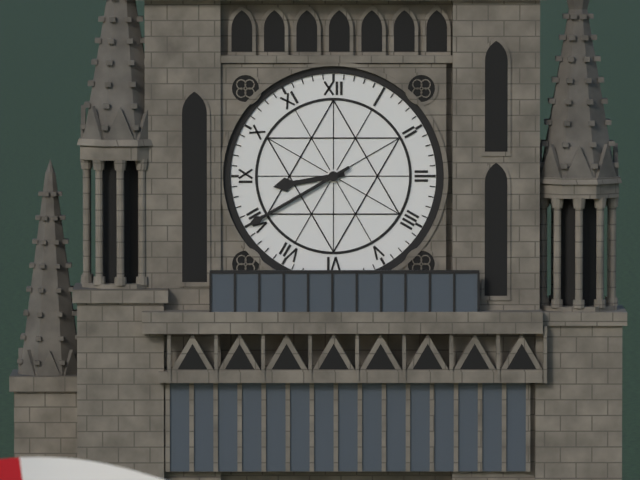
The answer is 8h40
